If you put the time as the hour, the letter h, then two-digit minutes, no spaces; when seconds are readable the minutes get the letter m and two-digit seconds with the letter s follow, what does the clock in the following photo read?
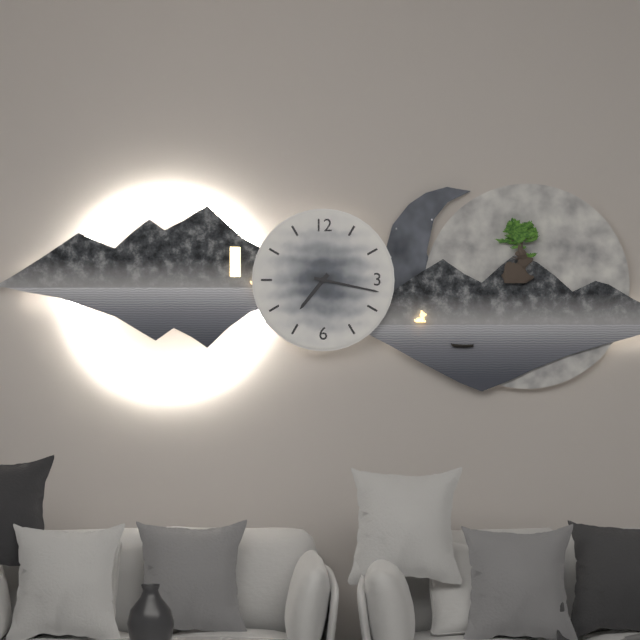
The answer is 7h17
